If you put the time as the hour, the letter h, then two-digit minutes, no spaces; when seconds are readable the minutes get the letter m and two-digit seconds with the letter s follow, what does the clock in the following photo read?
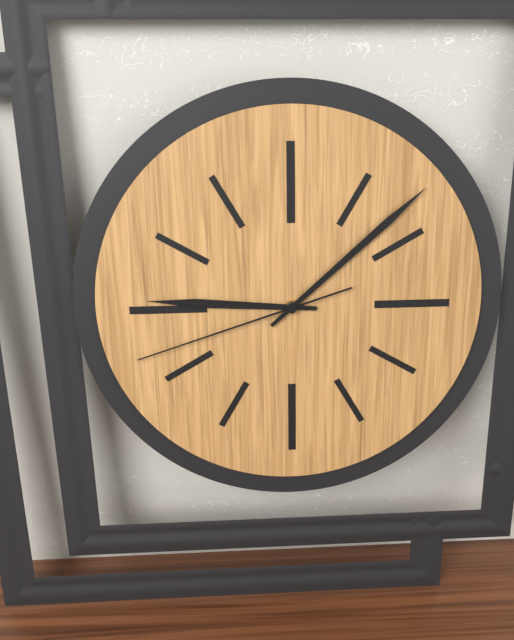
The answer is 9h08m42s
